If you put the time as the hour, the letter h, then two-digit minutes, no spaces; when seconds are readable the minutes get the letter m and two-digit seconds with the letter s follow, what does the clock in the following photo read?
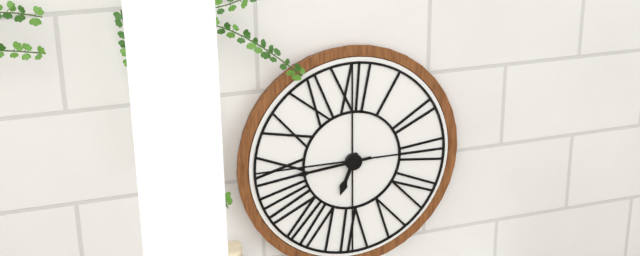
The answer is 6h44
